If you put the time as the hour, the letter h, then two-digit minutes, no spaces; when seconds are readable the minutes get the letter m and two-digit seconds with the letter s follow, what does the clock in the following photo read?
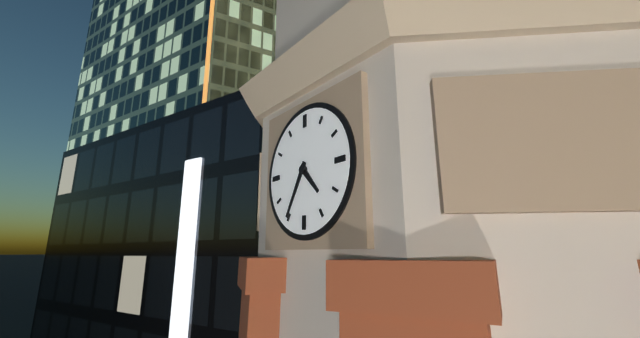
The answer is 4h35
